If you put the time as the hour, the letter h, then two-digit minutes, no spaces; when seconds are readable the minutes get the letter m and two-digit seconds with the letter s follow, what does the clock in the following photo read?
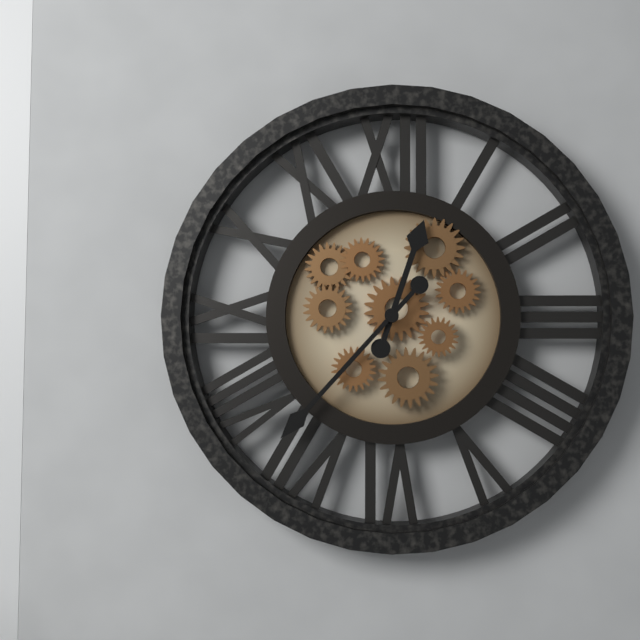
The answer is 12h37
